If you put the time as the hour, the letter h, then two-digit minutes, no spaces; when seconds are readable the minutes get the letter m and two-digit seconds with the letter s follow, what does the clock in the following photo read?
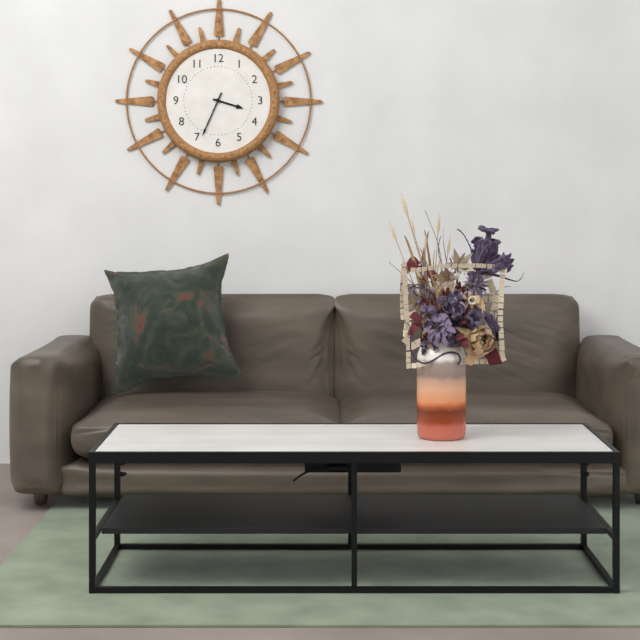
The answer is 3h34
